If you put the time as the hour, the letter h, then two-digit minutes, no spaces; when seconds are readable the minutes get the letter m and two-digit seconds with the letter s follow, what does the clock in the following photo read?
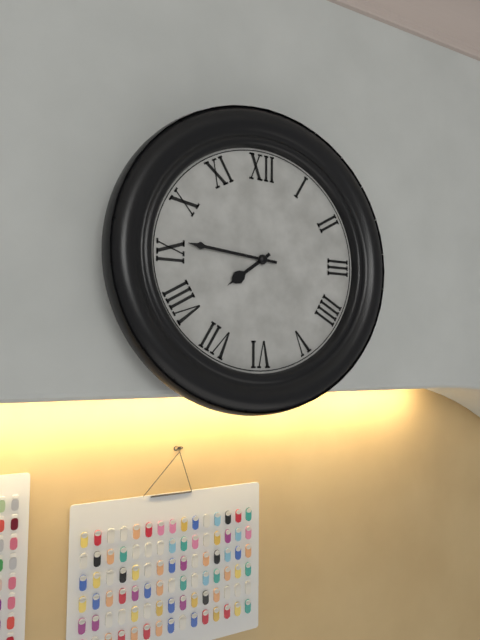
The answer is 7h46
